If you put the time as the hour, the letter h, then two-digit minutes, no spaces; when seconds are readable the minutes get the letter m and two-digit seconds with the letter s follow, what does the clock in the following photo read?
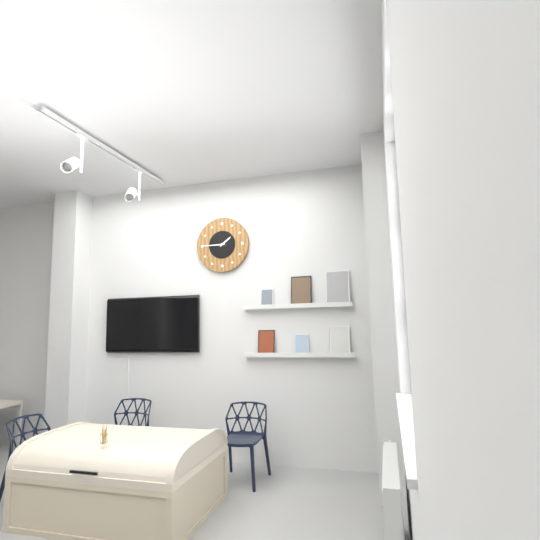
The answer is 1h45
